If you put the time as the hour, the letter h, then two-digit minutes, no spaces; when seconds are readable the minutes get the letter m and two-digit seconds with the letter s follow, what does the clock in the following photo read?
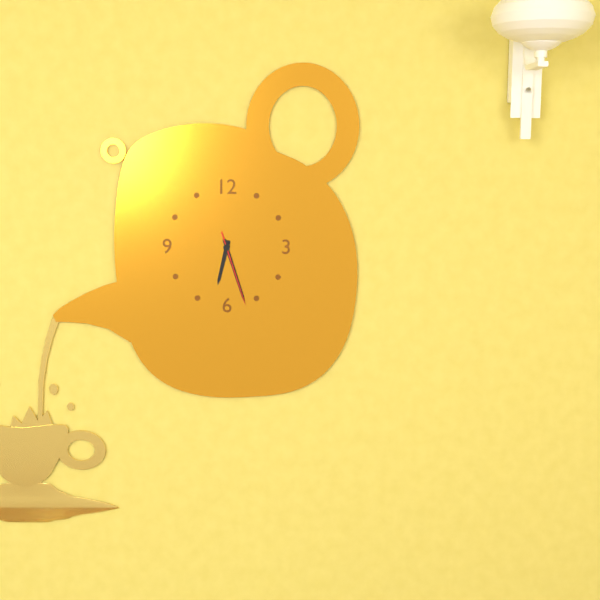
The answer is 6h27m27s
